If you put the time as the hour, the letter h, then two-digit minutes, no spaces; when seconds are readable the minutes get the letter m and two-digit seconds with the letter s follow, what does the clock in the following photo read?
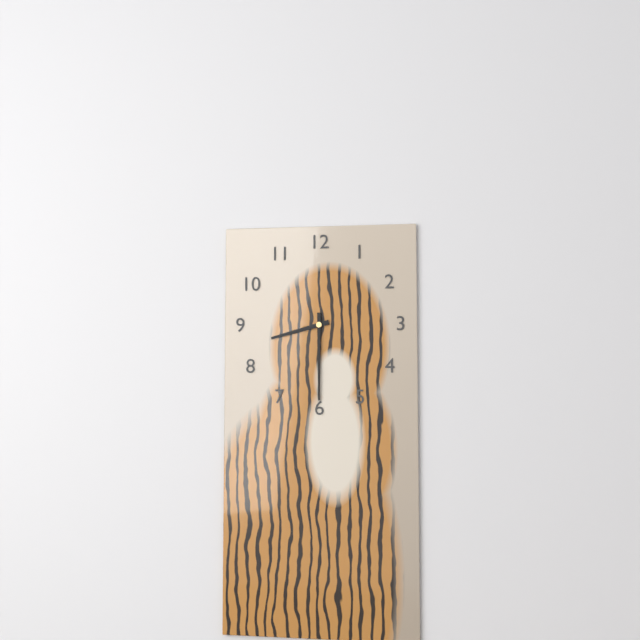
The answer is 8h30
